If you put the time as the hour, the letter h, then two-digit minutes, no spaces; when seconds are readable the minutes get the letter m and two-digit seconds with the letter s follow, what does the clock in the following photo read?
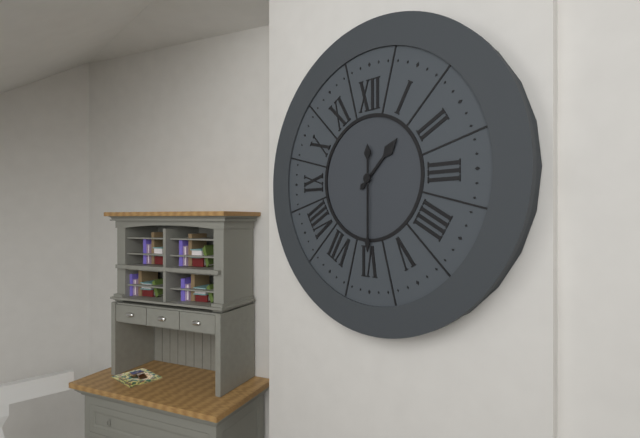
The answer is 1h30
